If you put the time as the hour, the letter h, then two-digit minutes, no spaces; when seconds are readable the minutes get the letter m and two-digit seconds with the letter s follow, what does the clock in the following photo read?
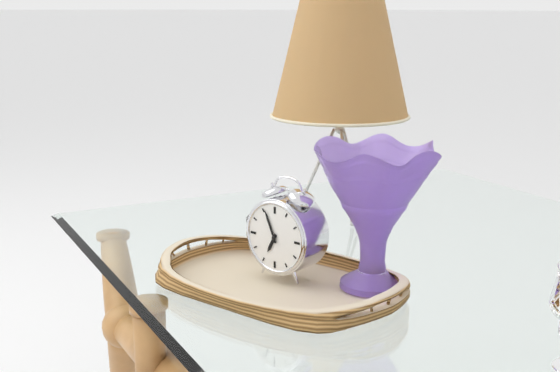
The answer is 6h56
